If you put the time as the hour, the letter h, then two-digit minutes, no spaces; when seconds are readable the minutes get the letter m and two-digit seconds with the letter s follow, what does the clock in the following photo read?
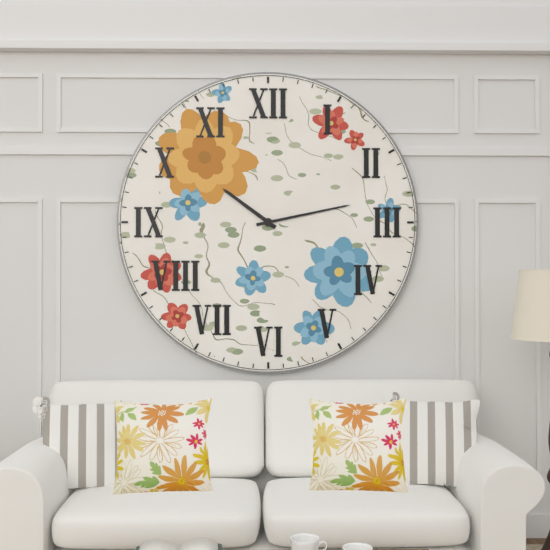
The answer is 10h13
